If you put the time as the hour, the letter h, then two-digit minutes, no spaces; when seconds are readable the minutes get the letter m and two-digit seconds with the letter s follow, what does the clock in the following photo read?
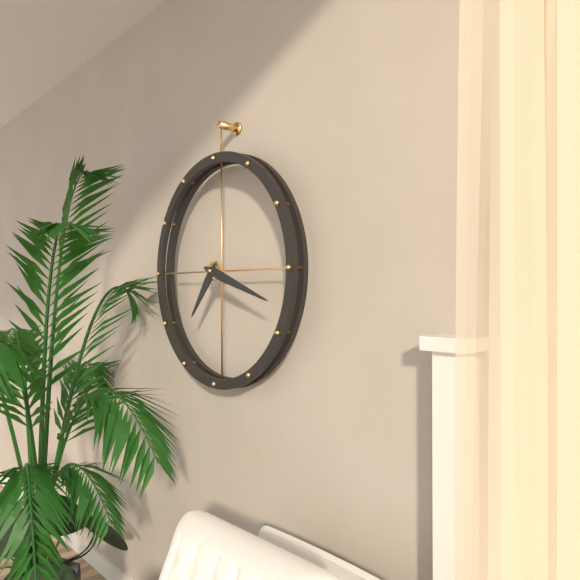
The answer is 7h18
